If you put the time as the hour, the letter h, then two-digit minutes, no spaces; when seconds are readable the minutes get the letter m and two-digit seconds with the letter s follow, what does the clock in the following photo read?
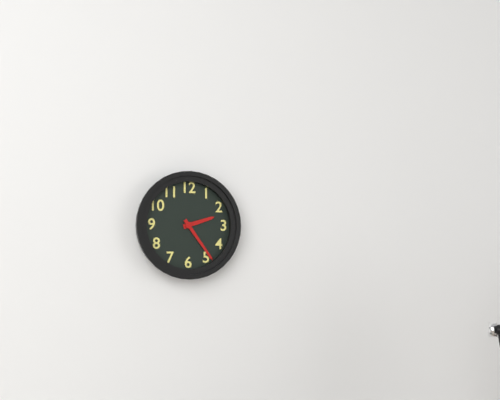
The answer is 2h24
